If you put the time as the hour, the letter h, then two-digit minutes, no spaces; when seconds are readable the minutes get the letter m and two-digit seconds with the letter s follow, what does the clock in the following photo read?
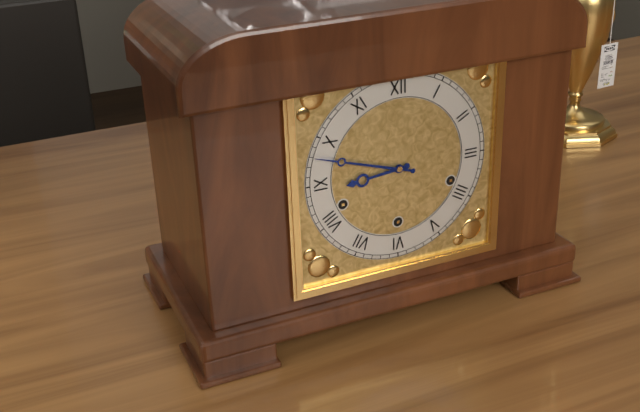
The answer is 8h48
